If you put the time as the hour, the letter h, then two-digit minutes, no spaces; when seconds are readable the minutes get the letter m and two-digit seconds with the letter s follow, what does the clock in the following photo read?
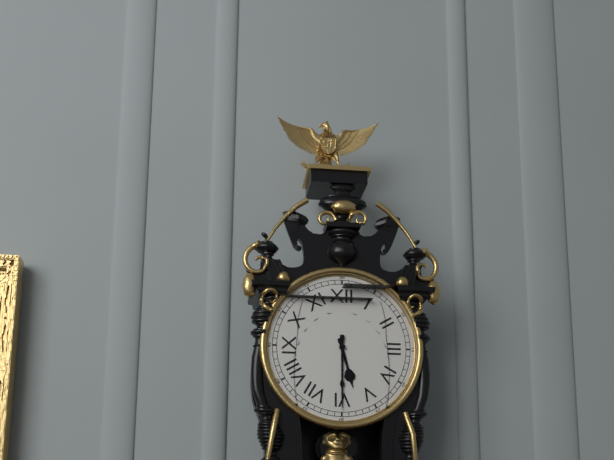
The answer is 5h30
